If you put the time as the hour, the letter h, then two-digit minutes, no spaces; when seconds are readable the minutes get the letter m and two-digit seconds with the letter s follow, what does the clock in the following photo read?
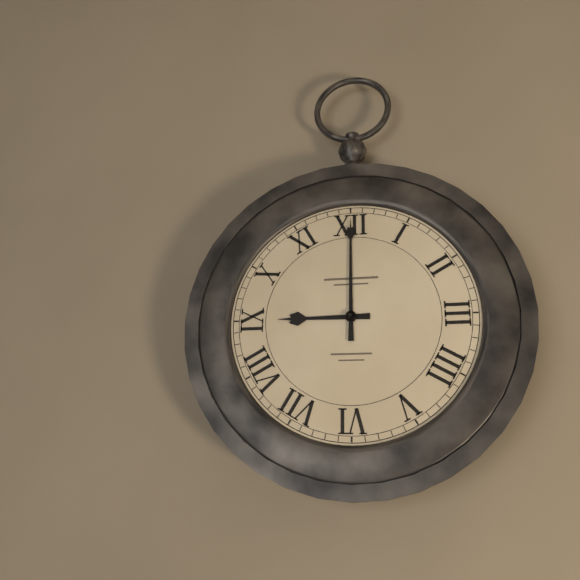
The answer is 9h00
